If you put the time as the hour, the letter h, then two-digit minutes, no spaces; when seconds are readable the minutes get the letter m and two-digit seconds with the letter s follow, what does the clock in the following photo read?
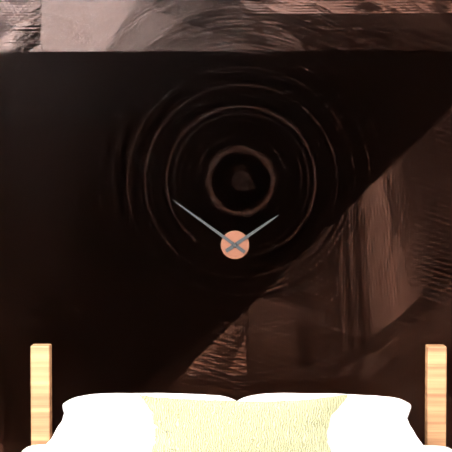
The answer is 1h51
